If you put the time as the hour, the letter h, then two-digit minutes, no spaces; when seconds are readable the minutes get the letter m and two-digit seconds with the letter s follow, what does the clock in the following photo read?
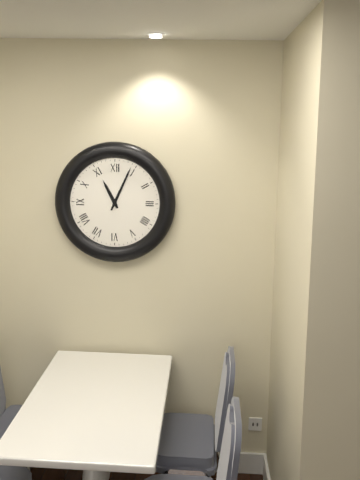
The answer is 11h04
